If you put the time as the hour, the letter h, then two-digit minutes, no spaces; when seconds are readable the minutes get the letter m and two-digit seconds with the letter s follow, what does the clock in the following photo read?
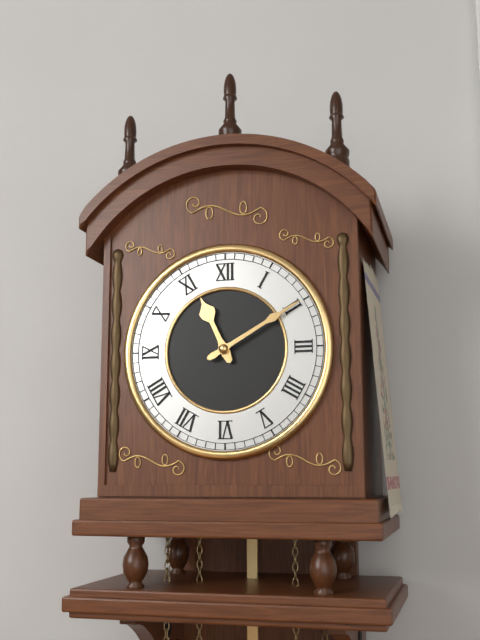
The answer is 11h10
